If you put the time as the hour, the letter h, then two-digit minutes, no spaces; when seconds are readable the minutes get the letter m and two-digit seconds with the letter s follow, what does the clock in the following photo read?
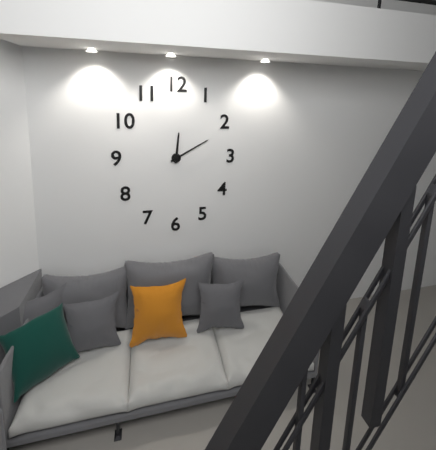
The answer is 12h10
